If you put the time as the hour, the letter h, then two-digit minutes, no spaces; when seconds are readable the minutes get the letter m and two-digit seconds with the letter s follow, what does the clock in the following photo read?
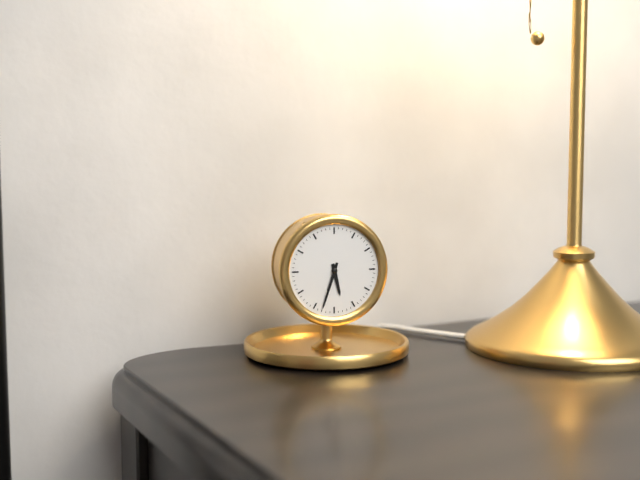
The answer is 5h33
